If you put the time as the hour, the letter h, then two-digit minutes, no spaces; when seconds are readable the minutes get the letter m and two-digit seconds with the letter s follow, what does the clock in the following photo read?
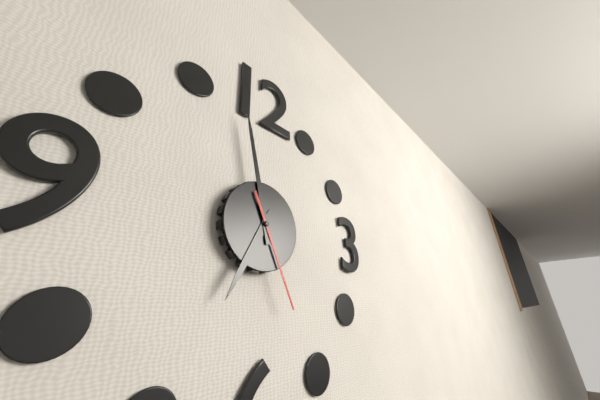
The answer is 6h58m26s
